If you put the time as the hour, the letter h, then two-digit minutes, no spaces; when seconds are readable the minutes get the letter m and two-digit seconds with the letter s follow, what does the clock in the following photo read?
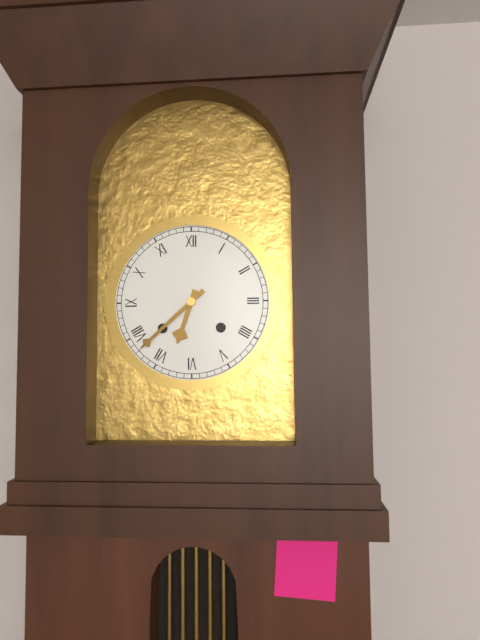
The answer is 6h38
